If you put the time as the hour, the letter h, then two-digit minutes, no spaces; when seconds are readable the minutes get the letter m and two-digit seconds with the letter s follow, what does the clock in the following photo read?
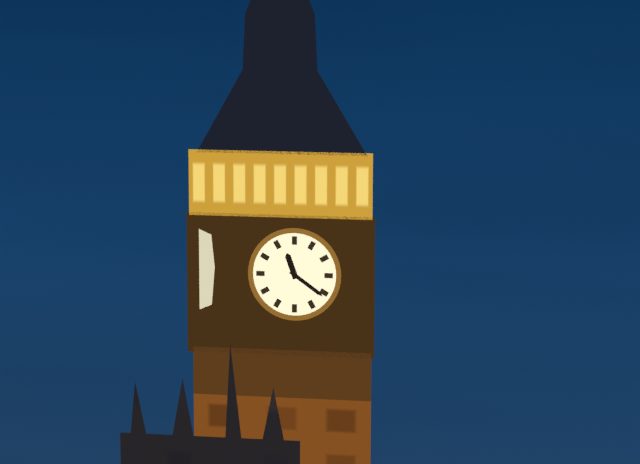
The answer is 11h21
